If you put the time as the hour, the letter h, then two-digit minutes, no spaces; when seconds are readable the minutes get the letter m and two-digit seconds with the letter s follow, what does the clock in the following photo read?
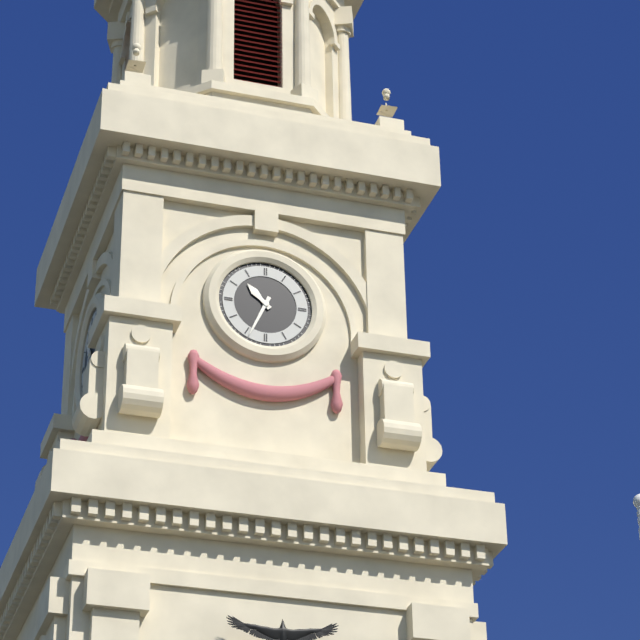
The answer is 10h34
